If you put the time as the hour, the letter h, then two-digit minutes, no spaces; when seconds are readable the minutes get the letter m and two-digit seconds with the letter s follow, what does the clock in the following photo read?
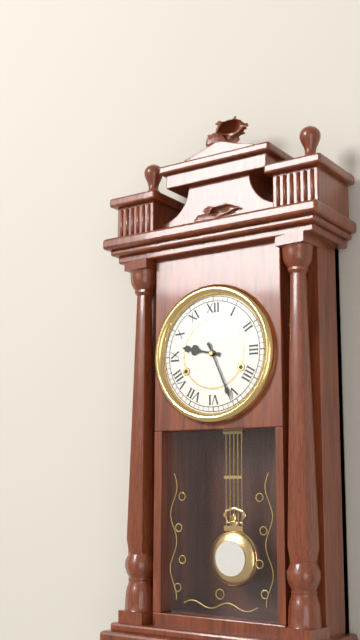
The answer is 9h26
